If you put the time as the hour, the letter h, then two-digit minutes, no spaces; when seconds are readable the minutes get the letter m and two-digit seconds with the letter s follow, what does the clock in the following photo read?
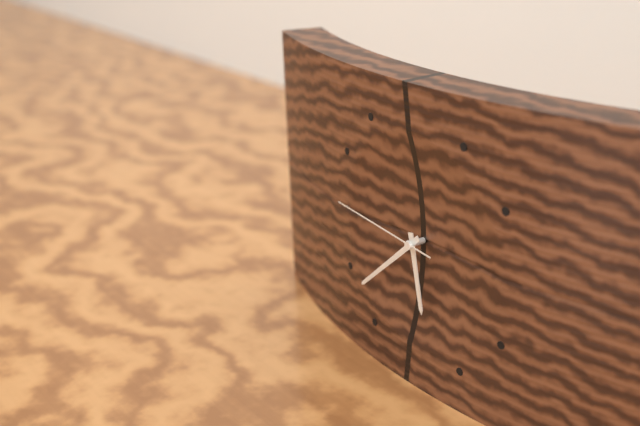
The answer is 5h38m46s
